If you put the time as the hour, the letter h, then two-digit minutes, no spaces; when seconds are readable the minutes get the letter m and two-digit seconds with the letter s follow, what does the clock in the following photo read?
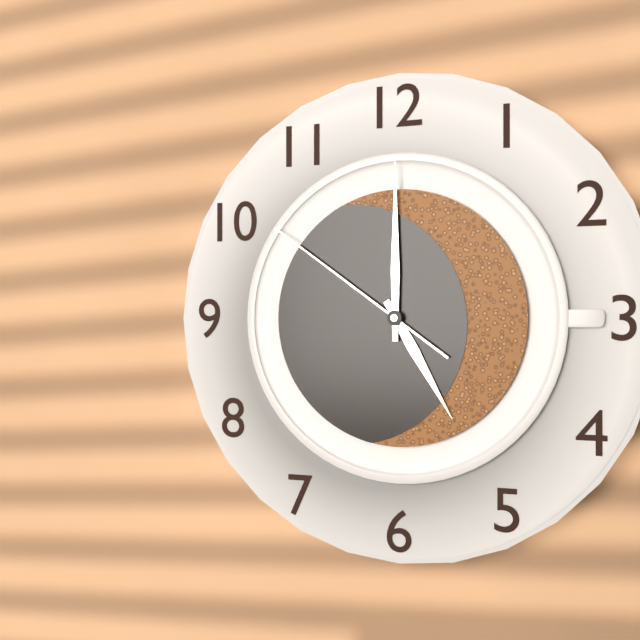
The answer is 5h00m51s
